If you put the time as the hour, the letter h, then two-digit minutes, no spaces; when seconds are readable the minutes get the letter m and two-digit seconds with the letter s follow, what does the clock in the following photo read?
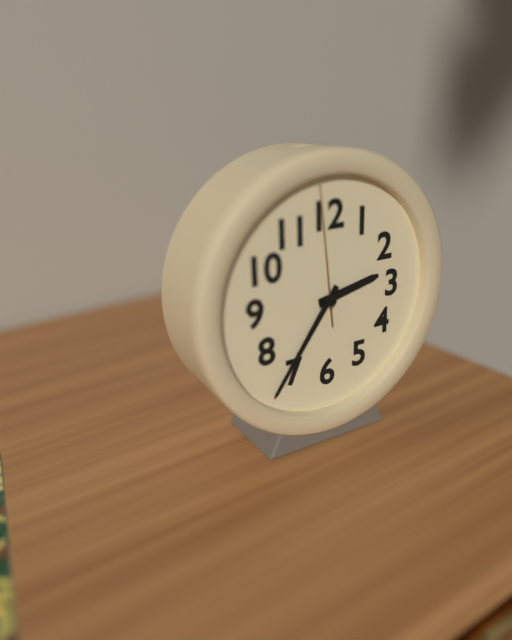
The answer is 2h36m59s
